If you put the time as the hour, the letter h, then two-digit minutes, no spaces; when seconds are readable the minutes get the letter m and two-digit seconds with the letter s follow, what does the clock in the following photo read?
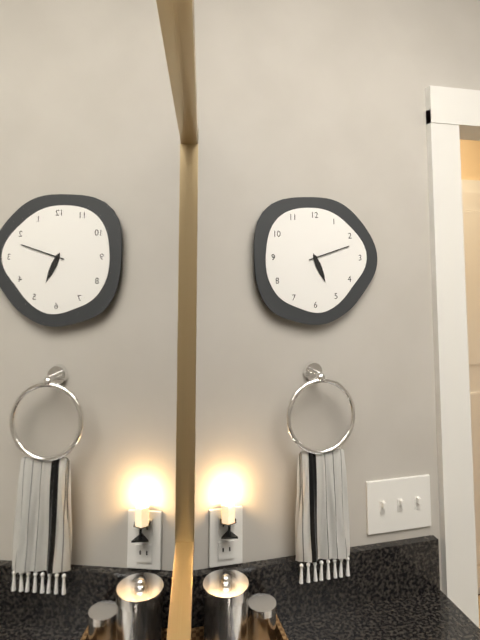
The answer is 5h12
